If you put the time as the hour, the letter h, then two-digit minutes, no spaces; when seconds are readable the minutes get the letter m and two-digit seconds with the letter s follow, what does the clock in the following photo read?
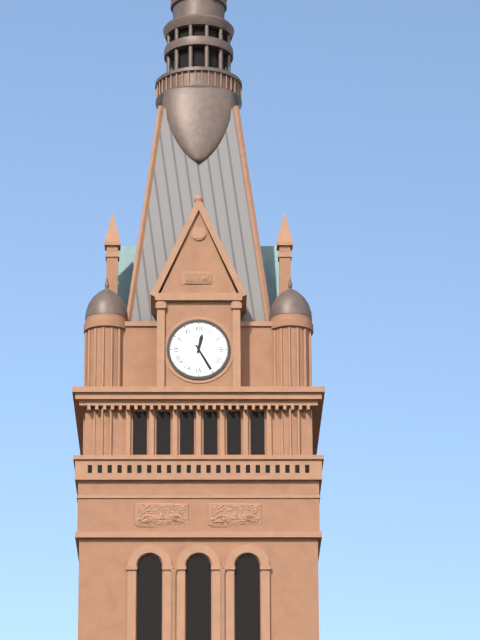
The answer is 12h25
